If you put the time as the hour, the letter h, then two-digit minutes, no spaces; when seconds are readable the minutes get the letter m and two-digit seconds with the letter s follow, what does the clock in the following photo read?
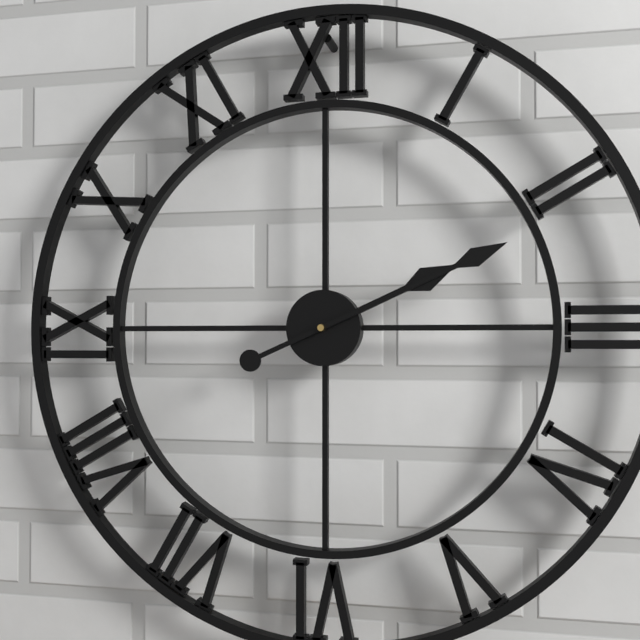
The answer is 2h11
